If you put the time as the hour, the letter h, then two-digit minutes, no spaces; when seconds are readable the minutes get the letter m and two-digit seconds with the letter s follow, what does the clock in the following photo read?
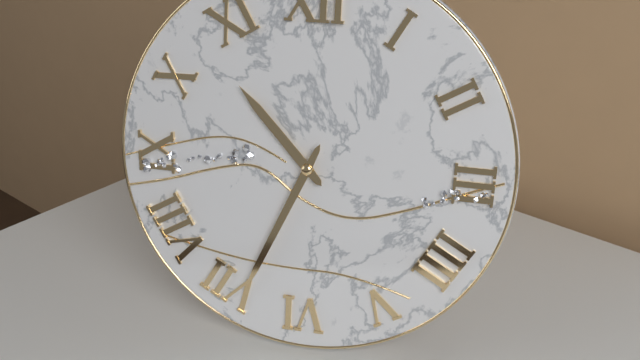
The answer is 10h34
